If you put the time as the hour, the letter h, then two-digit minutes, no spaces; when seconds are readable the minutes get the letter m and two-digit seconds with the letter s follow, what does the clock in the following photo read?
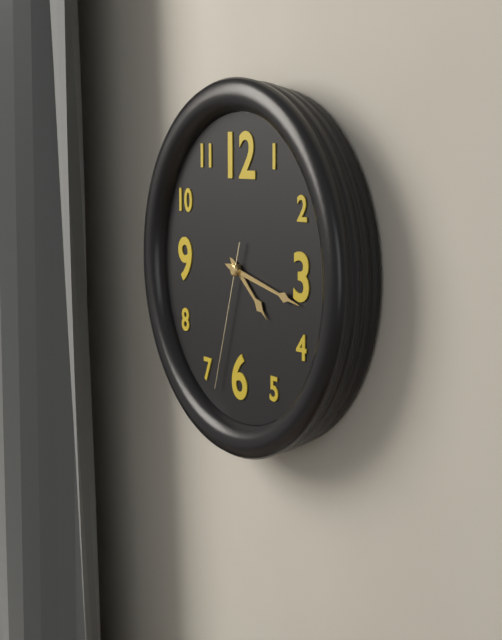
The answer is 4h17m33s
